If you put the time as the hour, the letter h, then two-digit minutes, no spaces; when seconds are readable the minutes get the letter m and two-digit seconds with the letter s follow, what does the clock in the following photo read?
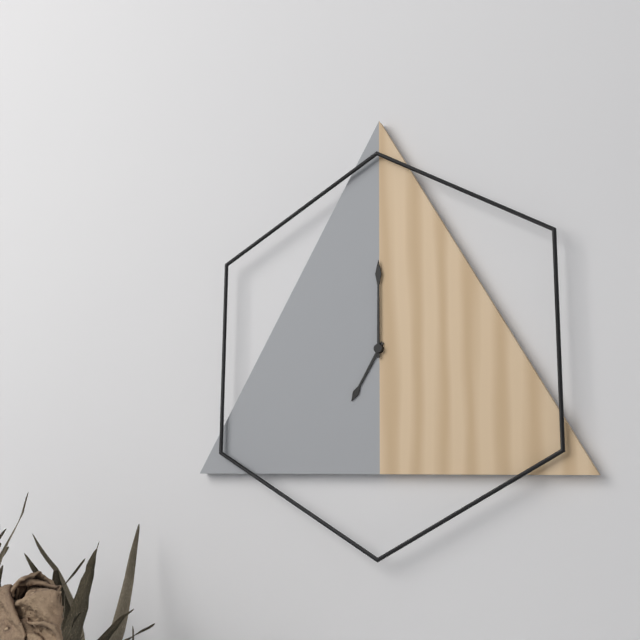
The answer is 7h00
